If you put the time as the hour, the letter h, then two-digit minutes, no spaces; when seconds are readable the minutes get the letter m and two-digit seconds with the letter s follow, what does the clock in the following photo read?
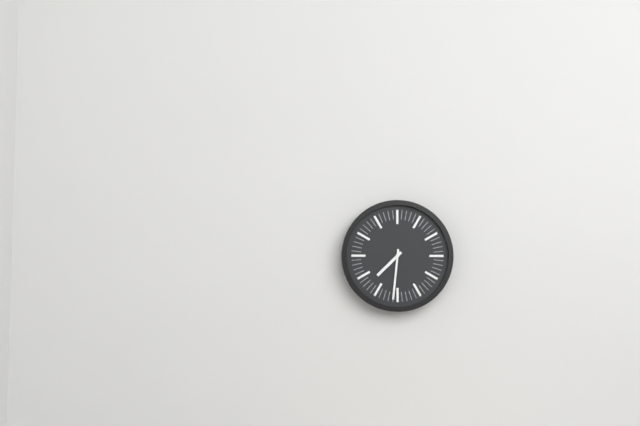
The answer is 7h31
